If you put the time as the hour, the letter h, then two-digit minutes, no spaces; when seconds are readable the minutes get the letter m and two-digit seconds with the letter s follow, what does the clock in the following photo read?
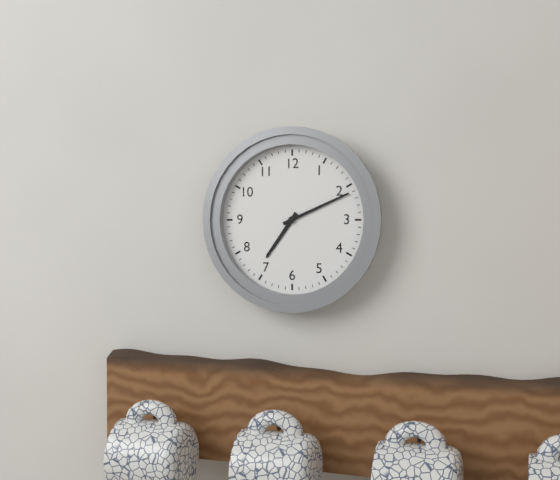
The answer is 7h11
